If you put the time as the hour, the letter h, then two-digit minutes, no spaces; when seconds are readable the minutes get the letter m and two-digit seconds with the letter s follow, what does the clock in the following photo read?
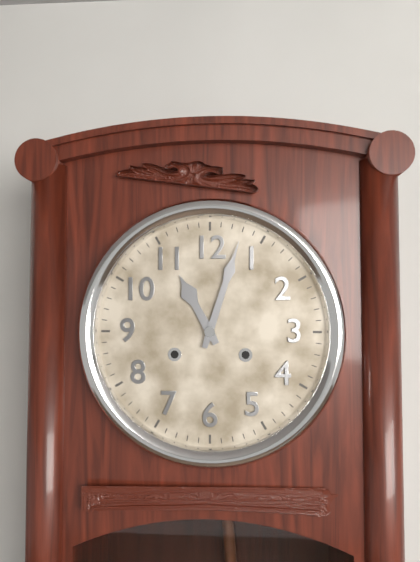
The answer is 11h03
